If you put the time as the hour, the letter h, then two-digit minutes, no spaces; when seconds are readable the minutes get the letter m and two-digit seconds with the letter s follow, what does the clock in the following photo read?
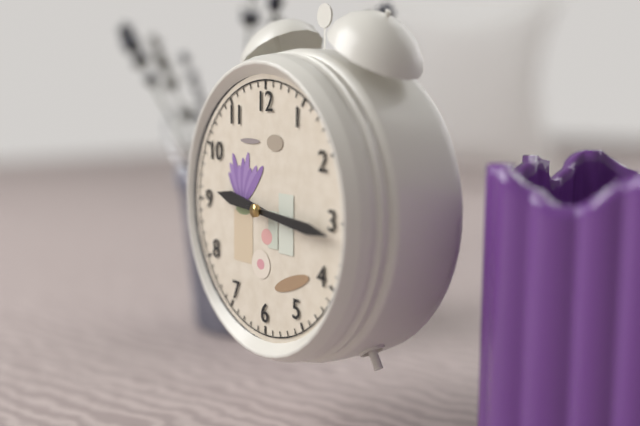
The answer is 9h16
